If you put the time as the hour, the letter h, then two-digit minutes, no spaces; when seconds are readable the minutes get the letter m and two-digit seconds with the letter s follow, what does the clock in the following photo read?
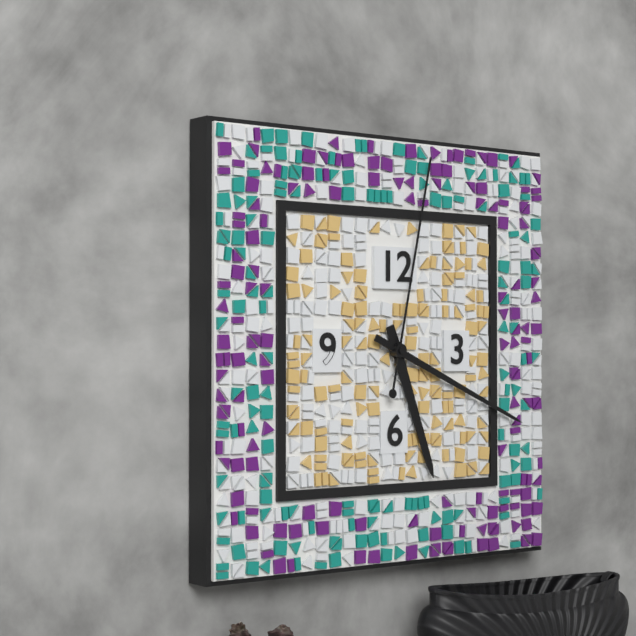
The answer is 5h19m02s
